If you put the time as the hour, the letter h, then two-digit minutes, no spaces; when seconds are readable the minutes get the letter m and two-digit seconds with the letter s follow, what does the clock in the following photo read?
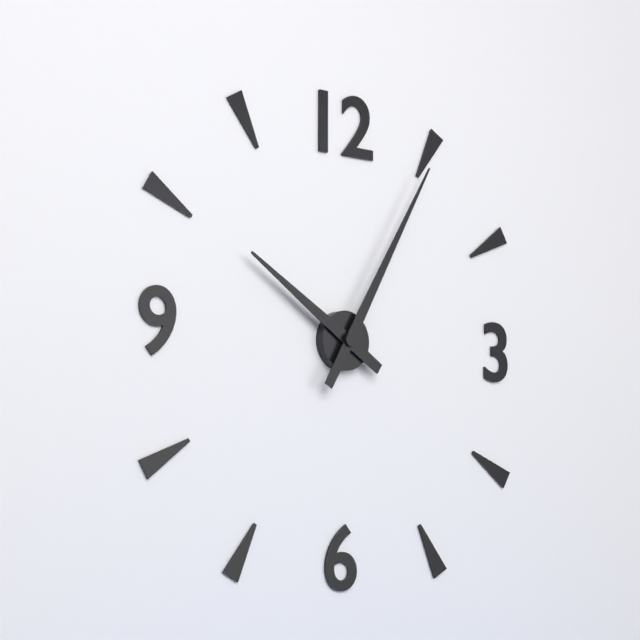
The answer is 10h05
